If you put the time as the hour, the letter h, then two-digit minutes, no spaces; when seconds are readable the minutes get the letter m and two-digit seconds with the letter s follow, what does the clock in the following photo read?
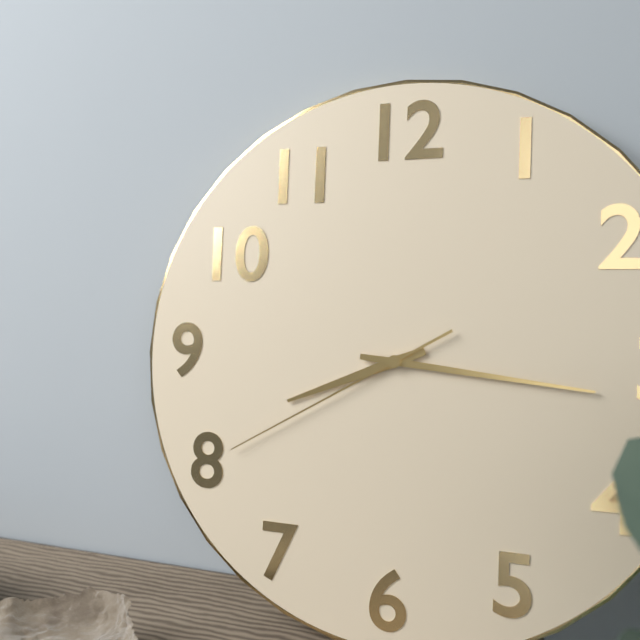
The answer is 8h16m40s
